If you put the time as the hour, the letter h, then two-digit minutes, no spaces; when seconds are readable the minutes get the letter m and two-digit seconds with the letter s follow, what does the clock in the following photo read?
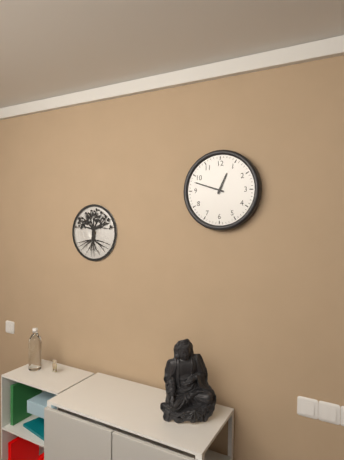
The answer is 12h48
